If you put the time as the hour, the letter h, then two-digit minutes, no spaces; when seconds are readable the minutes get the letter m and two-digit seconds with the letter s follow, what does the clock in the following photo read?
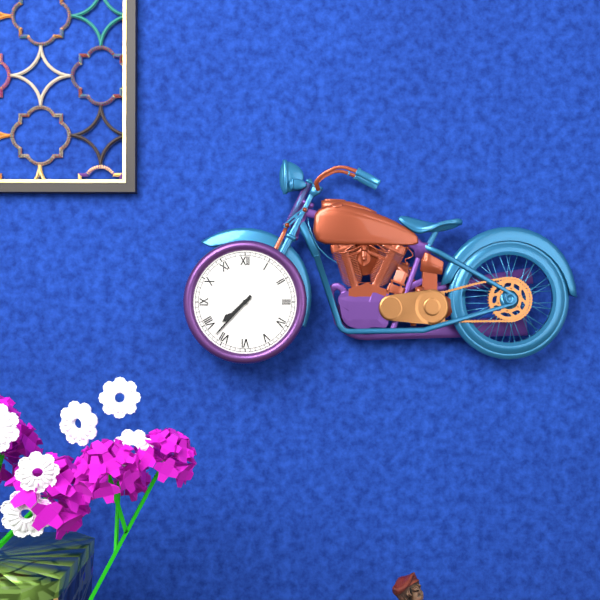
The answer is 7h37
